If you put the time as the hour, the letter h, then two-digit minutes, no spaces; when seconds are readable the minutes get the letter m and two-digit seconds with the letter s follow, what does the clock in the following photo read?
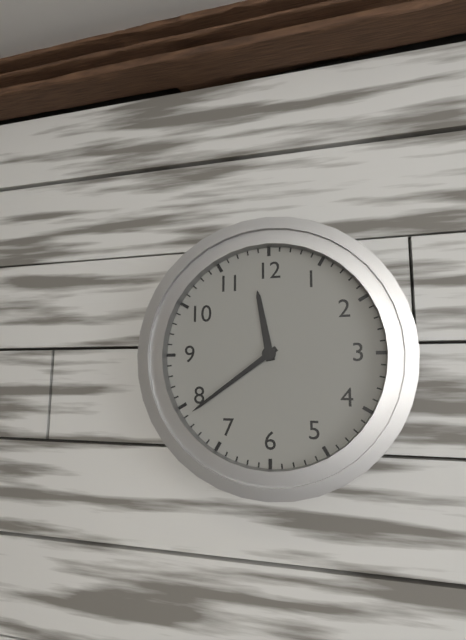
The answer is 11h39
